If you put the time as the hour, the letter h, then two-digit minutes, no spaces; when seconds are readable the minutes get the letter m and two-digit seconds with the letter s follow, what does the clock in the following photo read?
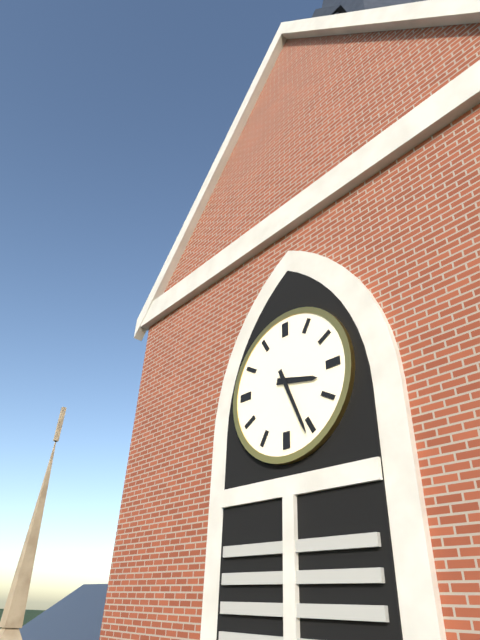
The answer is 3h26
